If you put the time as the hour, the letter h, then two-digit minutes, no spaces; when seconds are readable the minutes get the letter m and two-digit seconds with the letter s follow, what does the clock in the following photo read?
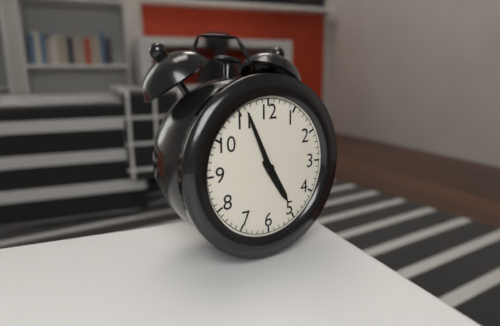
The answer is 4h56
